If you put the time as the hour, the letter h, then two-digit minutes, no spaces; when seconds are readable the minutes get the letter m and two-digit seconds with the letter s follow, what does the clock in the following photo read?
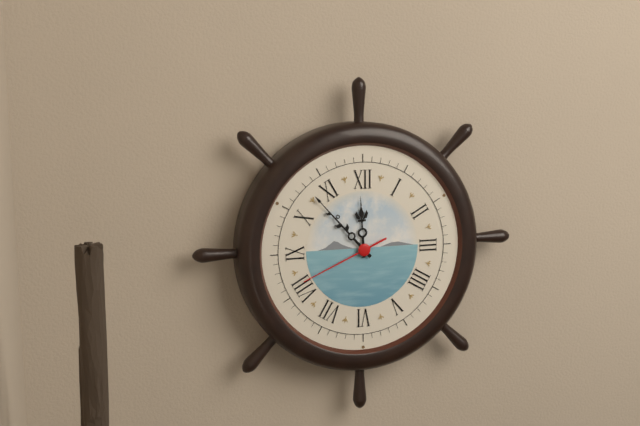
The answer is 11h53m41s
